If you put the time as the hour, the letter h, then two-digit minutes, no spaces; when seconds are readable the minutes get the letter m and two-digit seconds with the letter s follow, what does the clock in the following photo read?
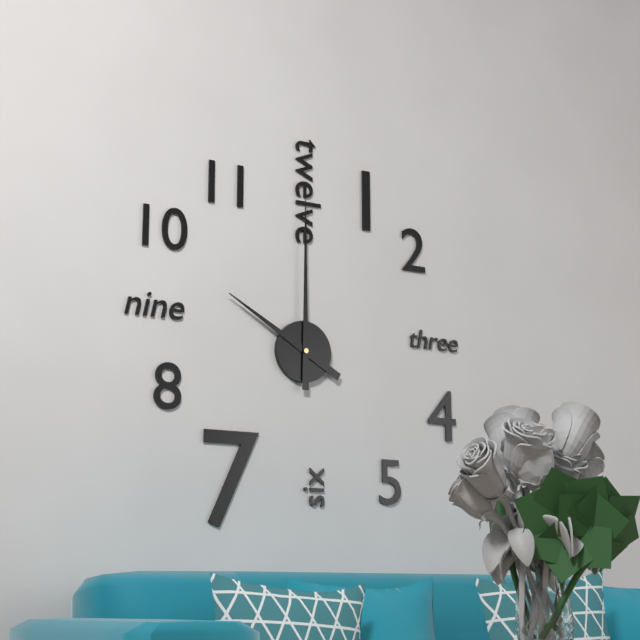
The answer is 10h00
